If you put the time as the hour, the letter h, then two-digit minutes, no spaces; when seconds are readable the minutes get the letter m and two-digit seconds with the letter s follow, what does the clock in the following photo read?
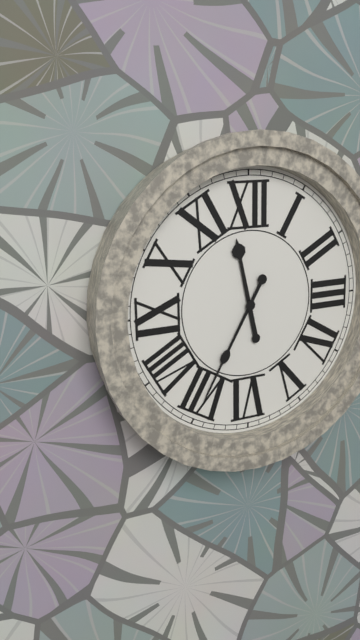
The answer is 11h35
